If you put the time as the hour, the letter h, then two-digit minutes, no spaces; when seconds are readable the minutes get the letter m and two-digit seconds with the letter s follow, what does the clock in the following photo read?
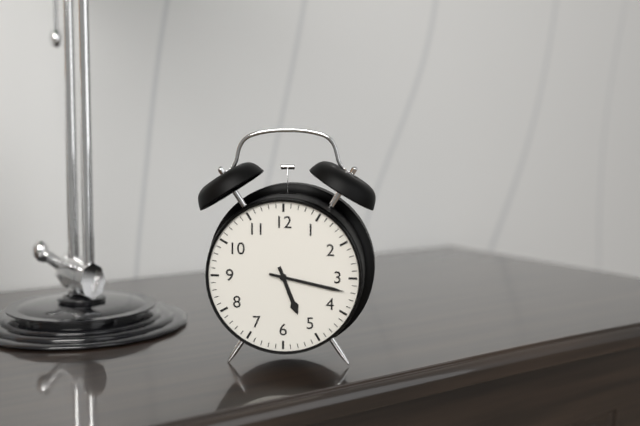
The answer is 5h17
